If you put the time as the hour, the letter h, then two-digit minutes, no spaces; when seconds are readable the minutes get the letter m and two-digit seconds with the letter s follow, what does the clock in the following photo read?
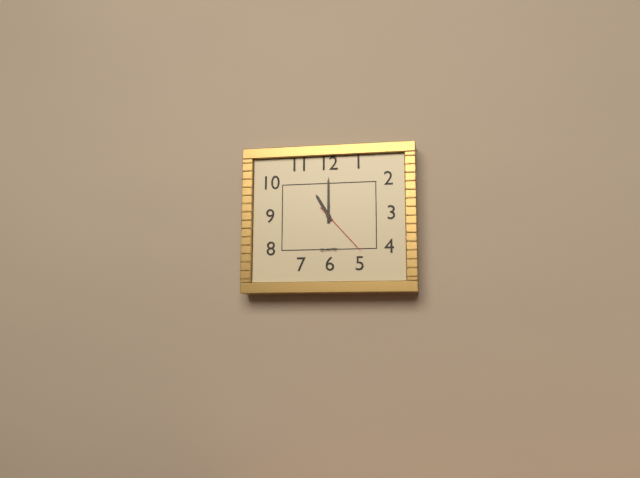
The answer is 11h00m23s
